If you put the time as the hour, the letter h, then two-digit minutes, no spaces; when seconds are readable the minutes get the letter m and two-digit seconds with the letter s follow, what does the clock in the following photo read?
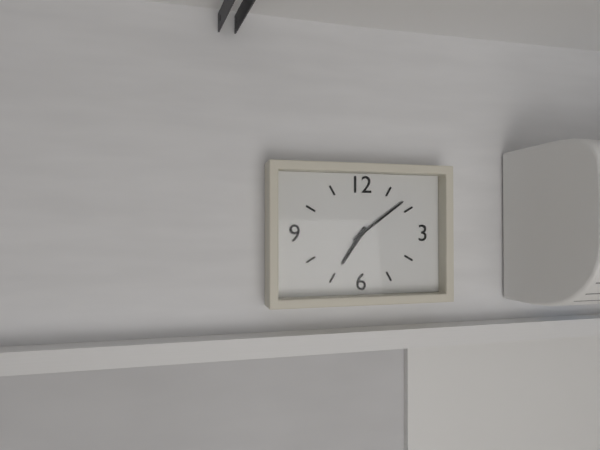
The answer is 7h09
